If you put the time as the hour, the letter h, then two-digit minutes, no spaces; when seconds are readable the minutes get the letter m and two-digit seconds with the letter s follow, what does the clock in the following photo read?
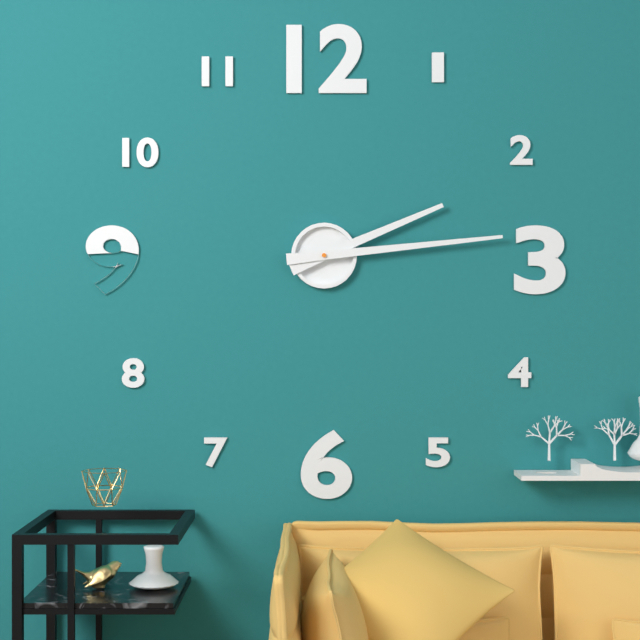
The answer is 2h14
